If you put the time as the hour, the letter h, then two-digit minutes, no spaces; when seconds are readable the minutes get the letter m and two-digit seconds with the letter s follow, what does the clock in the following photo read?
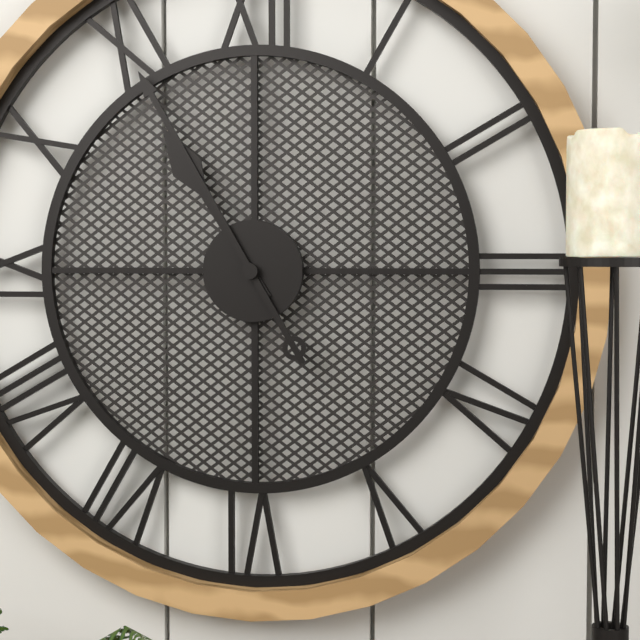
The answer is 10h55
